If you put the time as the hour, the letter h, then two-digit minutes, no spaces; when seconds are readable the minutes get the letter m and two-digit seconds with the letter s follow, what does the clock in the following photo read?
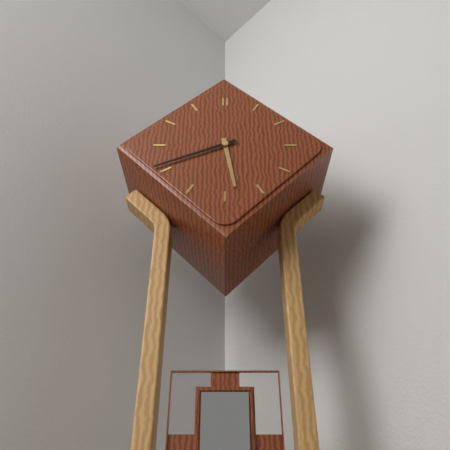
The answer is 5h41
